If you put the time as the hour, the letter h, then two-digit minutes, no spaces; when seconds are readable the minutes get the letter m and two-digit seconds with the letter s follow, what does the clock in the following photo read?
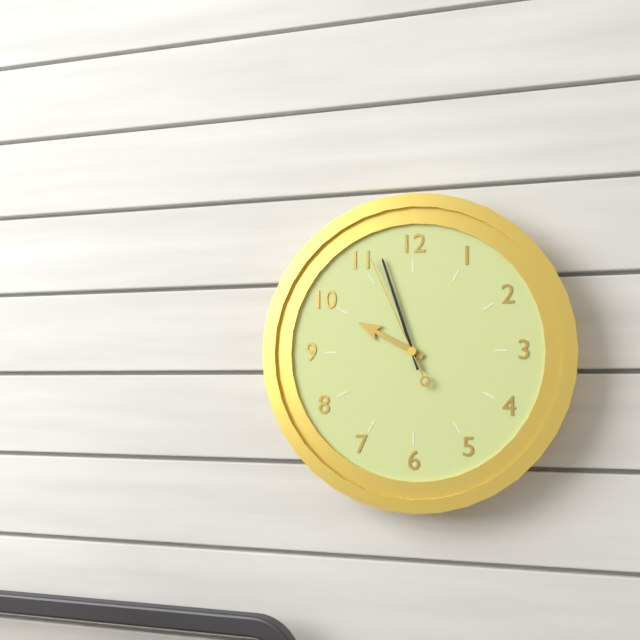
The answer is 9h57m56s
